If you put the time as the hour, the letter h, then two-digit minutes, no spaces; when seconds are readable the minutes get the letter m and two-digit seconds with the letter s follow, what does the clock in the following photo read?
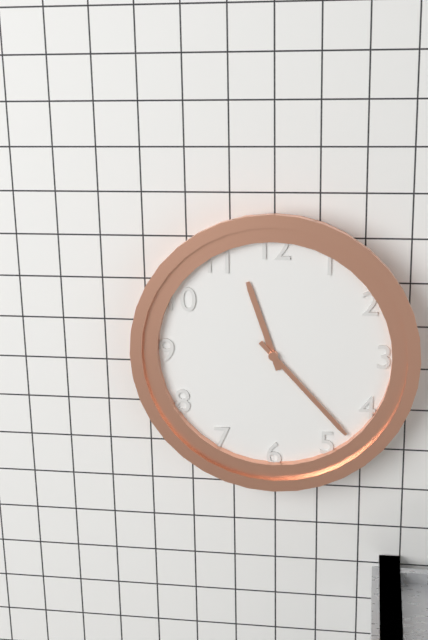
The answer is 11h23
